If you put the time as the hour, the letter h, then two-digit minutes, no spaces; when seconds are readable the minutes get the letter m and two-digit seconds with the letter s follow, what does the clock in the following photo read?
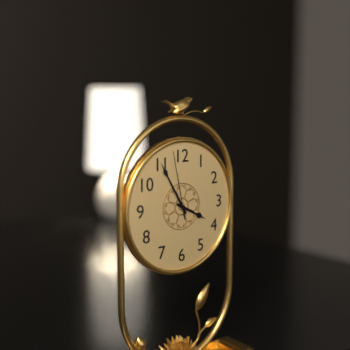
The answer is 3h55m58s
